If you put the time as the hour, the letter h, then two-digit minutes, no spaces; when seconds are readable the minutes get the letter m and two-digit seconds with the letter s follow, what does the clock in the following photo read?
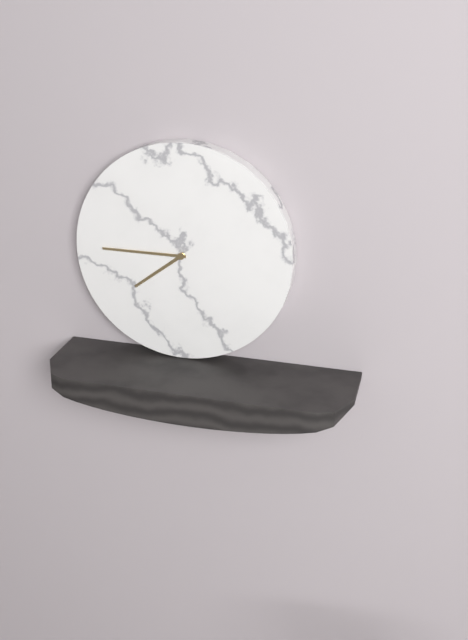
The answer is 7h45
